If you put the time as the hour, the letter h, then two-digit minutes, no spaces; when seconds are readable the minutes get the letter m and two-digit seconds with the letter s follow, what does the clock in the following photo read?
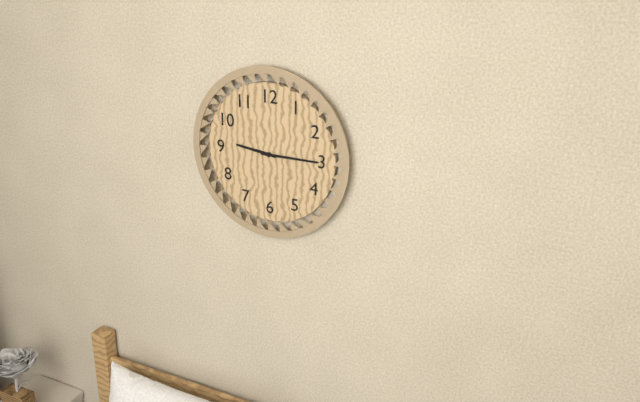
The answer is 9h15
